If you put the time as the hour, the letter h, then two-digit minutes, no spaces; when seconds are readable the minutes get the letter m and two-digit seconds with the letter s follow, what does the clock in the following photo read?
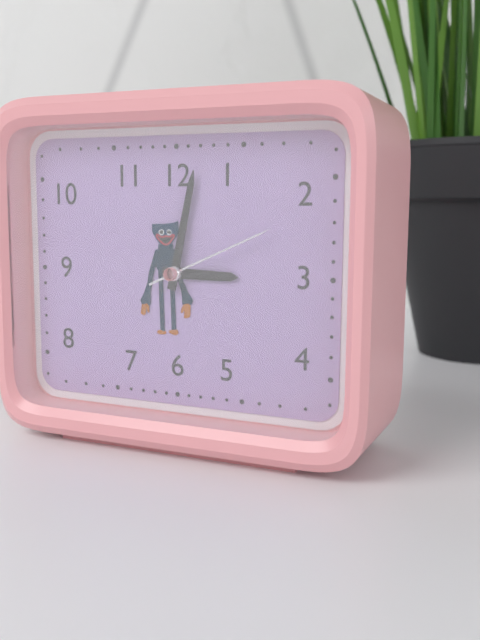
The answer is 3h02m11s
